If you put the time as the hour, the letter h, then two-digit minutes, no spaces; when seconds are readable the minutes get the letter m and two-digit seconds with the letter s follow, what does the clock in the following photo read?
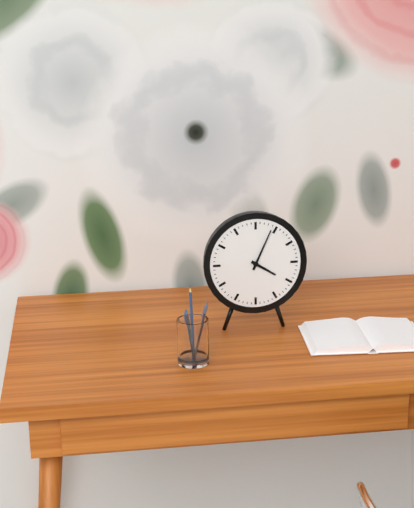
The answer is 4h04
